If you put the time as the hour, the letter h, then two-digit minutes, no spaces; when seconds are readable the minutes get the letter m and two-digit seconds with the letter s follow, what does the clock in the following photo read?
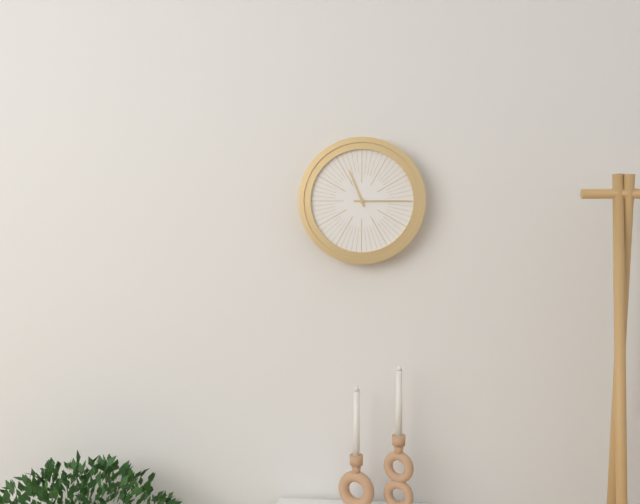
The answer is 11h15
